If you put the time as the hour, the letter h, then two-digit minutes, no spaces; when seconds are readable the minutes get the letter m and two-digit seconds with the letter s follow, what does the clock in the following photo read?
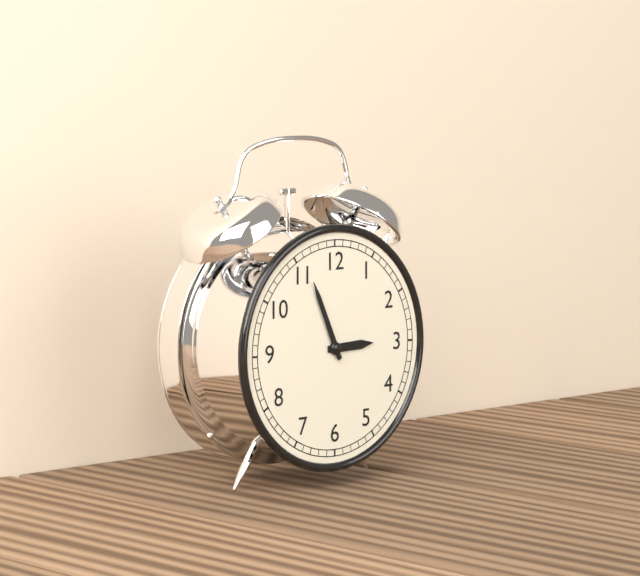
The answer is 2h56
